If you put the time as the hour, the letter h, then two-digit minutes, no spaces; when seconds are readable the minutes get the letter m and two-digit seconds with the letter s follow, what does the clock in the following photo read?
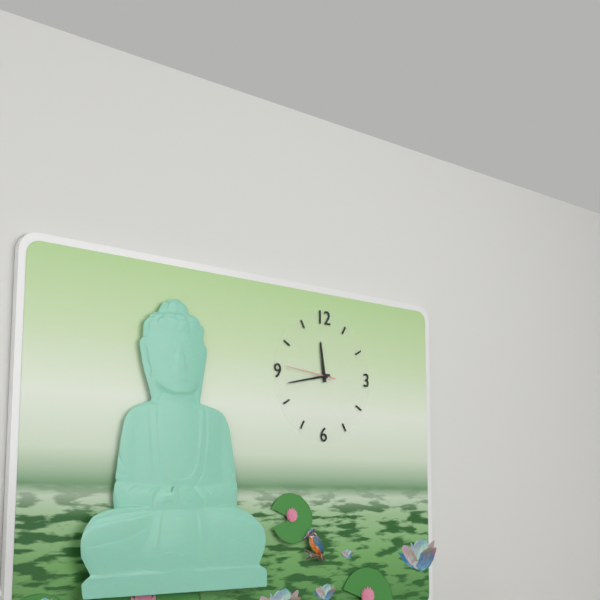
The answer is 11h43m46s
